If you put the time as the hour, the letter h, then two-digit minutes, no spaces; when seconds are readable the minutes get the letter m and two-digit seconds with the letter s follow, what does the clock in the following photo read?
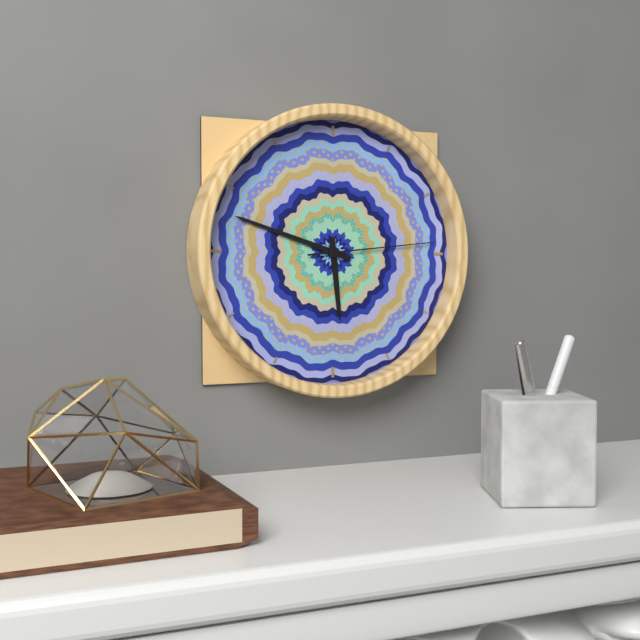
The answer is 5h48m14s
